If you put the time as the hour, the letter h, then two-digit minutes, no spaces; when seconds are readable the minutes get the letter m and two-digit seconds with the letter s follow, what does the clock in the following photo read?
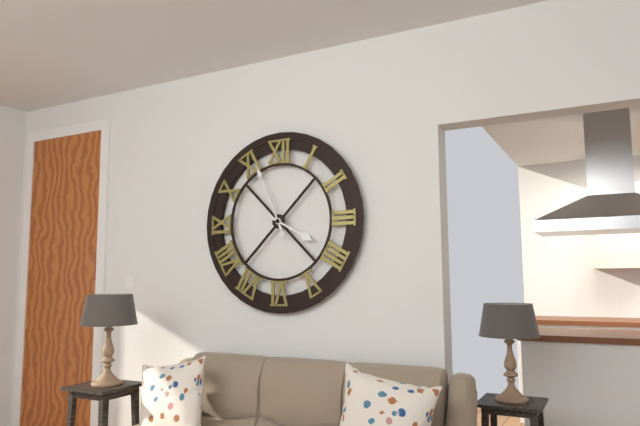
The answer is 3h56
